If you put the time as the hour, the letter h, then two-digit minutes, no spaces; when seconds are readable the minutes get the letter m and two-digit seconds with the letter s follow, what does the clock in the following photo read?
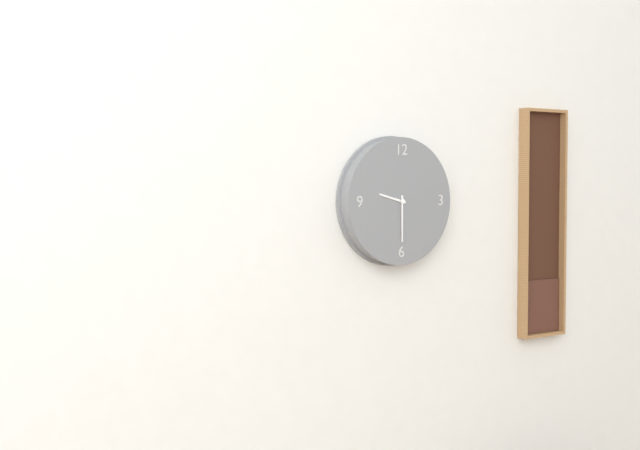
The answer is 9h30
